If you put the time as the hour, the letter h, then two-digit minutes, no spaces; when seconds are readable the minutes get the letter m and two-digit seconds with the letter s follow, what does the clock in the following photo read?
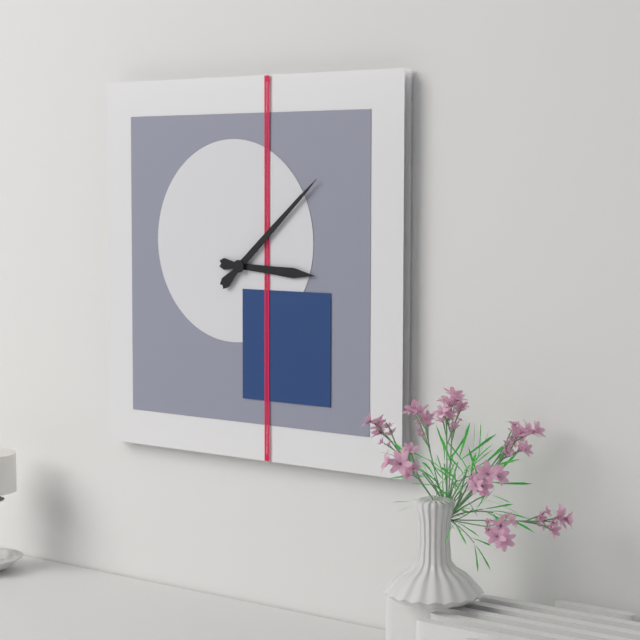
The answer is 3h08
